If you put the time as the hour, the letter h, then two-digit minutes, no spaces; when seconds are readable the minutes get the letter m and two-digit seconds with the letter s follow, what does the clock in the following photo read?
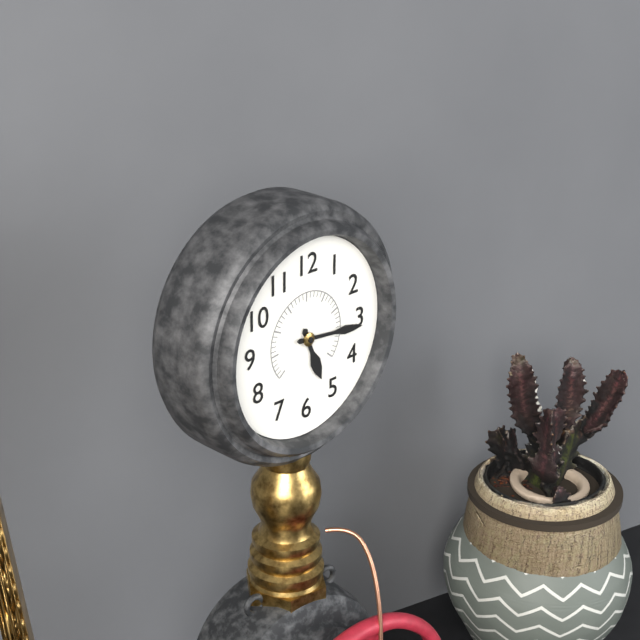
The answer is 5h16
